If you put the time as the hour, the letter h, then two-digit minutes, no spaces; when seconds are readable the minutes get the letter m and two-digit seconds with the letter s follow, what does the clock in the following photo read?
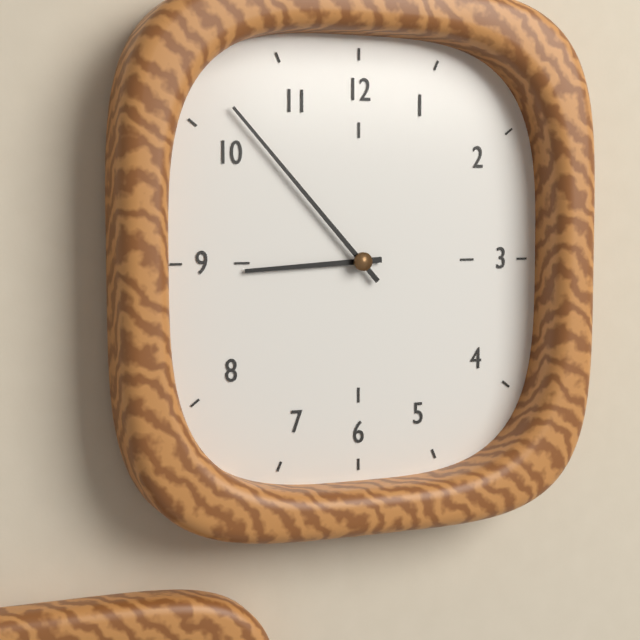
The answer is 8h53
